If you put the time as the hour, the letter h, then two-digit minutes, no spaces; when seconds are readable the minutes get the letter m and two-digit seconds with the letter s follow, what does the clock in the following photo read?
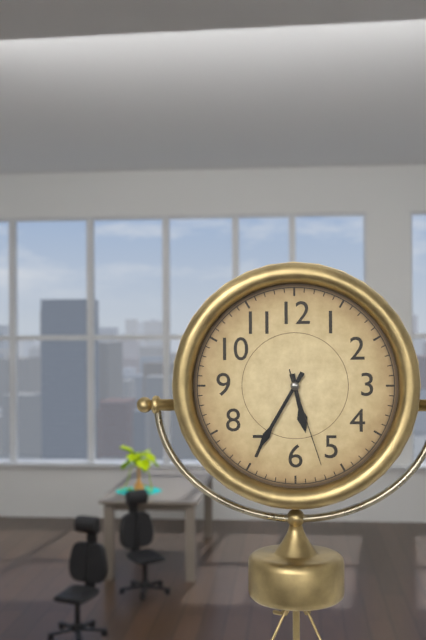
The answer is 5h35m27s
